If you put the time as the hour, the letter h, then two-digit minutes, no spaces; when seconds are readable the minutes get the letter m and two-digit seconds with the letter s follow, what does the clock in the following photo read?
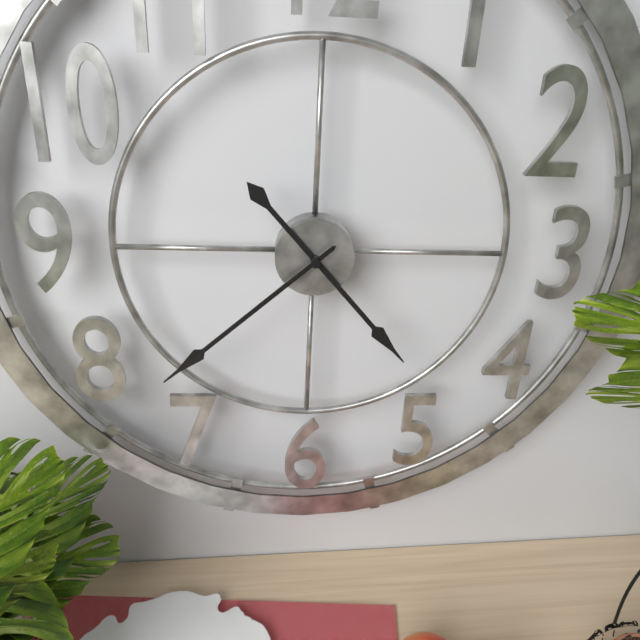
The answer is 4h38
